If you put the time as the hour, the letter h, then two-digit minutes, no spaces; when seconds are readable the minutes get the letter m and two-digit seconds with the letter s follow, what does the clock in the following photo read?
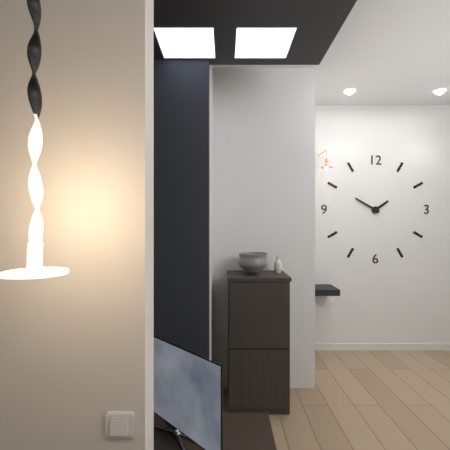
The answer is 1h50
